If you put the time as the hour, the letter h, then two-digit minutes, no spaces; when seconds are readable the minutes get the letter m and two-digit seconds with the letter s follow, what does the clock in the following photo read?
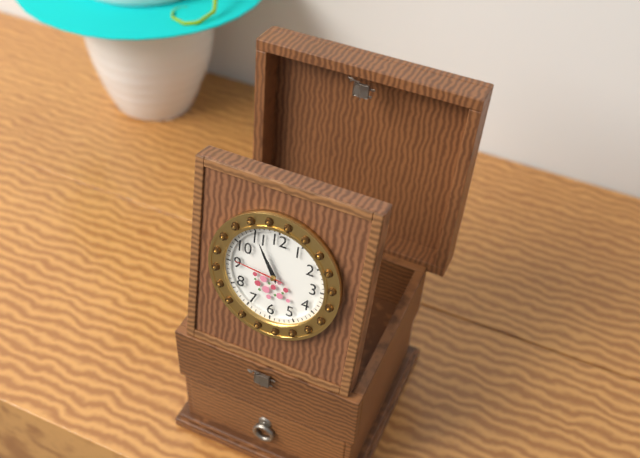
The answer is 10h55m46s
